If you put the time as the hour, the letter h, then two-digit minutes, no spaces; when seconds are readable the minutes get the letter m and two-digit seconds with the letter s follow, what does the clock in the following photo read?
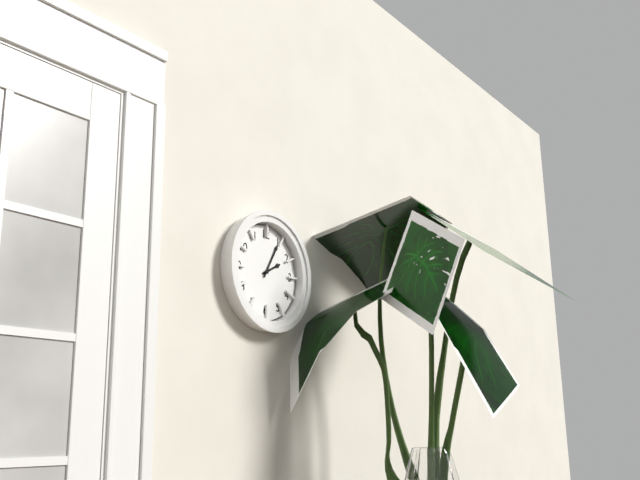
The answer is 2h05
